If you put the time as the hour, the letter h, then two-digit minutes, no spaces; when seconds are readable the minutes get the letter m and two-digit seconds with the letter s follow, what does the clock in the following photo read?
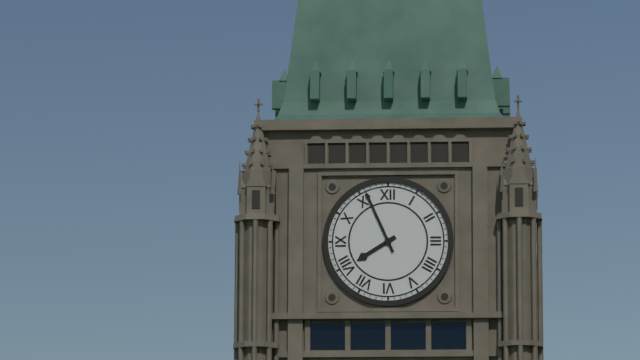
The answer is 7h56
